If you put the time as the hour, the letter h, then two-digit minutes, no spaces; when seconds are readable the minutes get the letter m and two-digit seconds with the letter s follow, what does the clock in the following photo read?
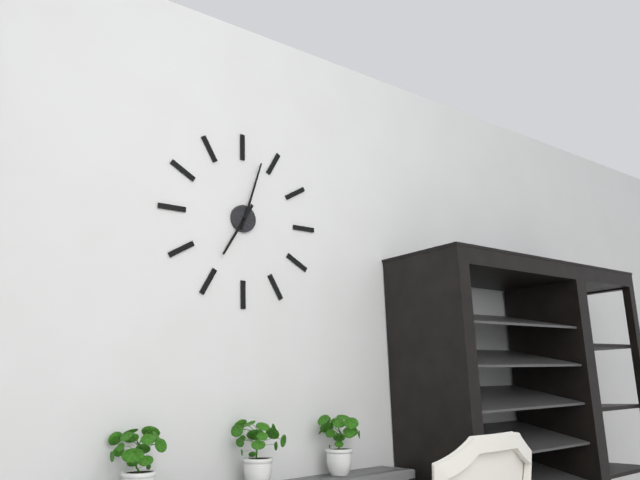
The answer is 7h03
